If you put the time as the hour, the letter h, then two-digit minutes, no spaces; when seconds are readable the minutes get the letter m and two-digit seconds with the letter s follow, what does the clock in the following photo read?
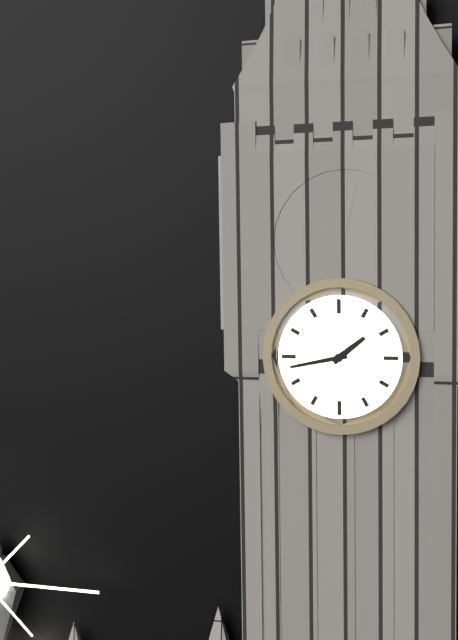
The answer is 1h43
